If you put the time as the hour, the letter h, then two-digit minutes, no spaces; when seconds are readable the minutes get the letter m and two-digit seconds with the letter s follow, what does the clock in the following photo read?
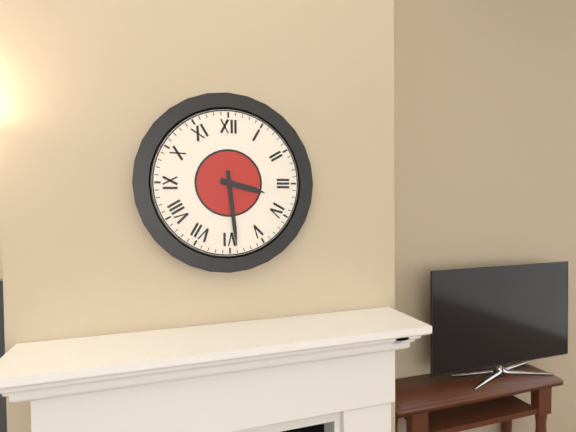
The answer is 3h29
